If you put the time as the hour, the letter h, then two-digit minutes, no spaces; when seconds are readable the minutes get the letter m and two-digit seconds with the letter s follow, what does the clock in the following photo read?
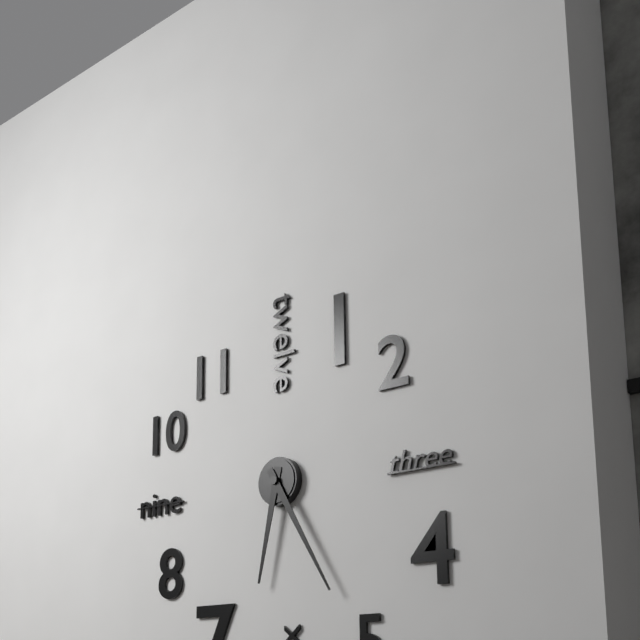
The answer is 6h25
